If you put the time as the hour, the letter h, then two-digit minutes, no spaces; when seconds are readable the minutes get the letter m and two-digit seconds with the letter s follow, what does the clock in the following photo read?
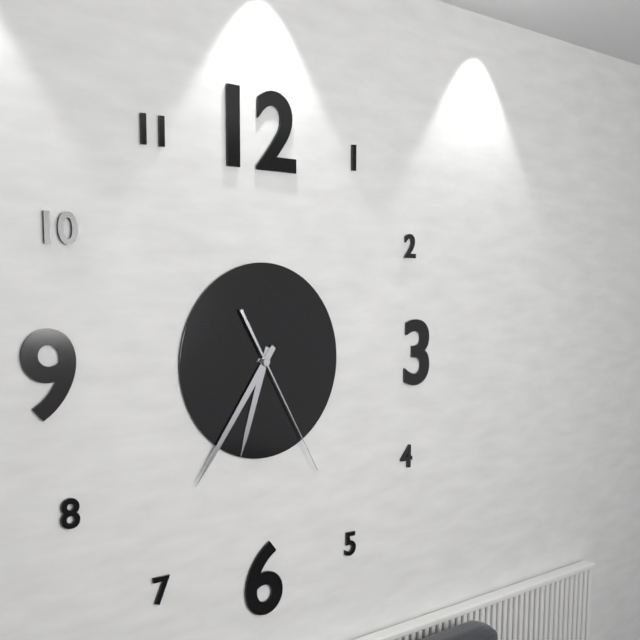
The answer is 6h36m25s
